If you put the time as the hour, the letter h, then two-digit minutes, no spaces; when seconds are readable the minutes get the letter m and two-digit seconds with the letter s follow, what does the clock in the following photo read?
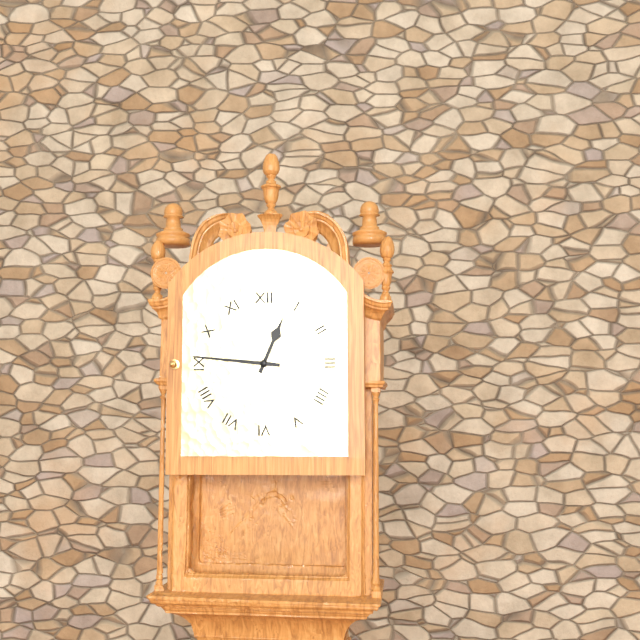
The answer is 12h46
